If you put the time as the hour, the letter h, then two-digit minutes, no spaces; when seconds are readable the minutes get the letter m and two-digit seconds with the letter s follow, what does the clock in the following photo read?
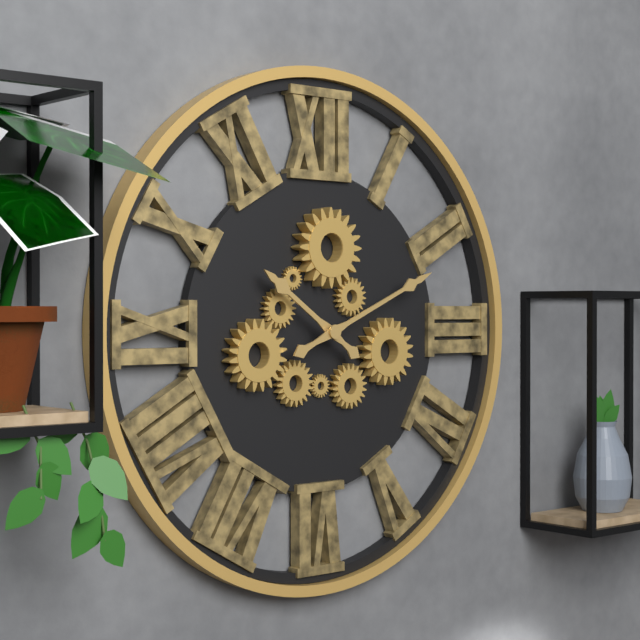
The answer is 10h11
